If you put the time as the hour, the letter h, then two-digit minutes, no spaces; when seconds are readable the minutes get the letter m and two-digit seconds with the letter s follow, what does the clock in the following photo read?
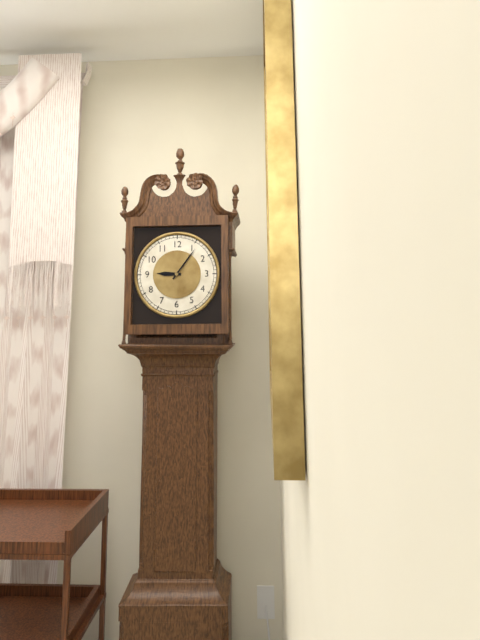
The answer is 9h06
